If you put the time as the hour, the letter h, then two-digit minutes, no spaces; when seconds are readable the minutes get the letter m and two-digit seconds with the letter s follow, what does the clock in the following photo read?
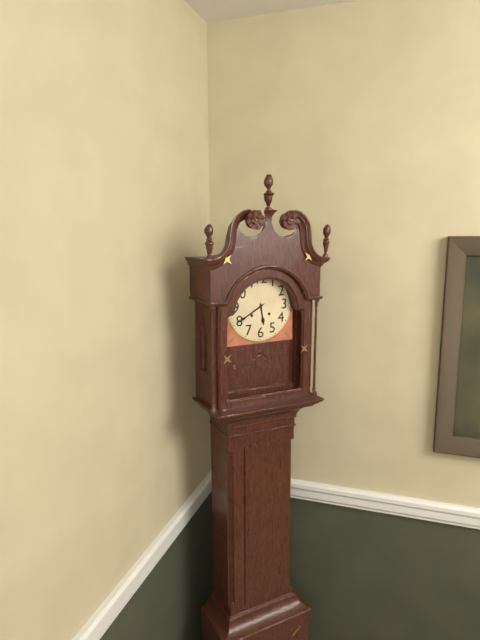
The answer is 5h40
